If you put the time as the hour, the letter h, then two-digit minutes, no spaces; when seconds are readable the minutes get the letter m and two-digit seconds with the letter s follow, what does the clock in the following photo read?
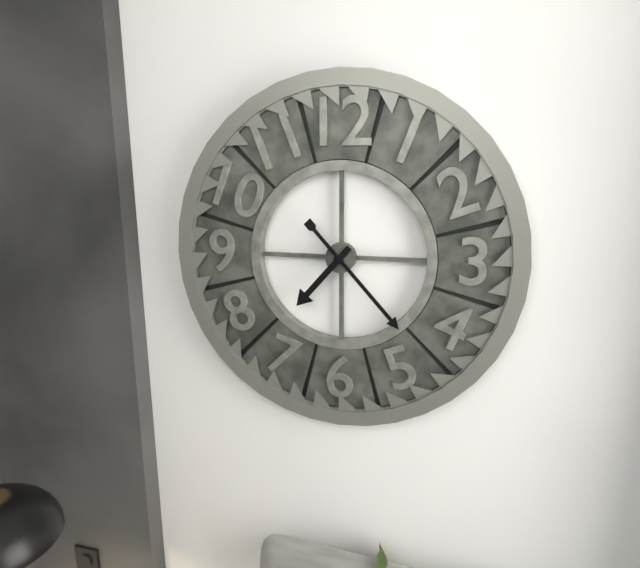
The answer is 7h23
